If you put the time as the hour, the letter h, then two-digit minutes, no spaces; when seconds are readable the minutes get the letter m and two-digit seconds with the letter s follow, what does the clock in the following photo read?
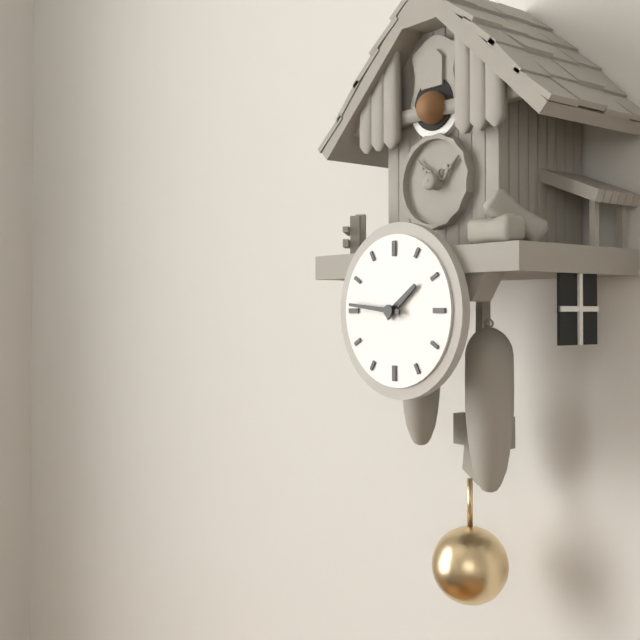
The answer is 1h46
